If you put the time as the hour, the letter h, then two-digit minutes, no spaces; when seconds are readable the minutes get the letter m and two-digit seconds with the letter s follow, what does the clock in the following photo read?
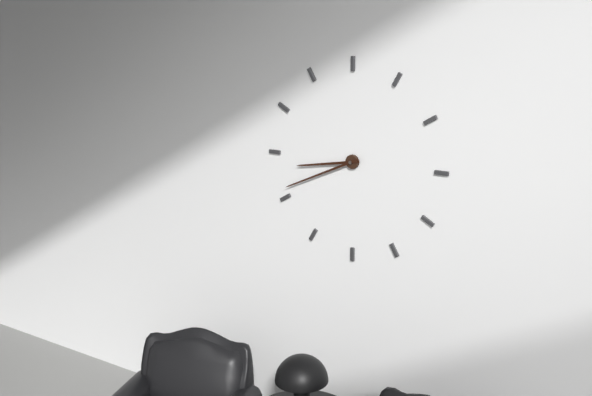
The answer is 8h41
